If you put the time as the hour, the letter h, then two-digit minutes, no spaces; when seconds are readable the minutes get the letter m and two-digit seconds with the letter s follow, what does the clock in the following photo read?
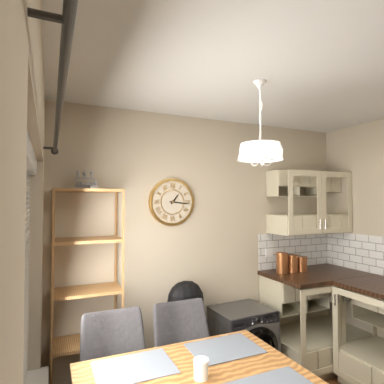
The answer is 1h16
